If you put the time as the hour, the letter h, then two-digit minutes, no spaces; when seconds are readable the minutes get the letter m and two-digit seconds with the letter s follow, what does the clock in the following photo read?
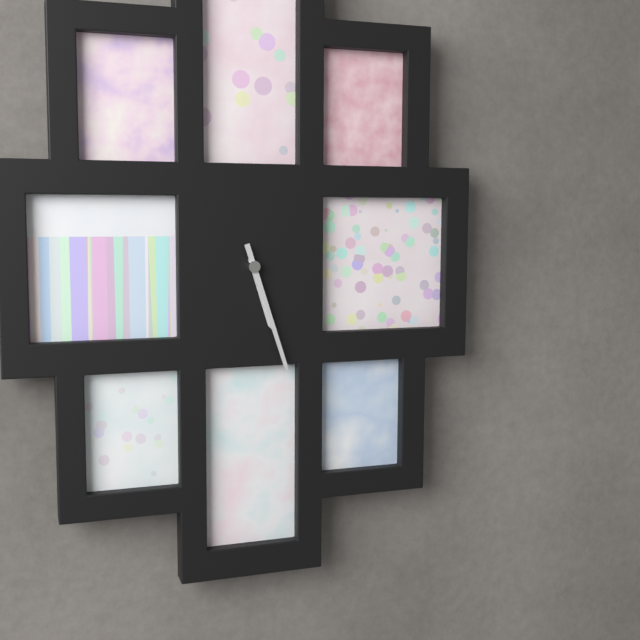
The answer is 5h27
